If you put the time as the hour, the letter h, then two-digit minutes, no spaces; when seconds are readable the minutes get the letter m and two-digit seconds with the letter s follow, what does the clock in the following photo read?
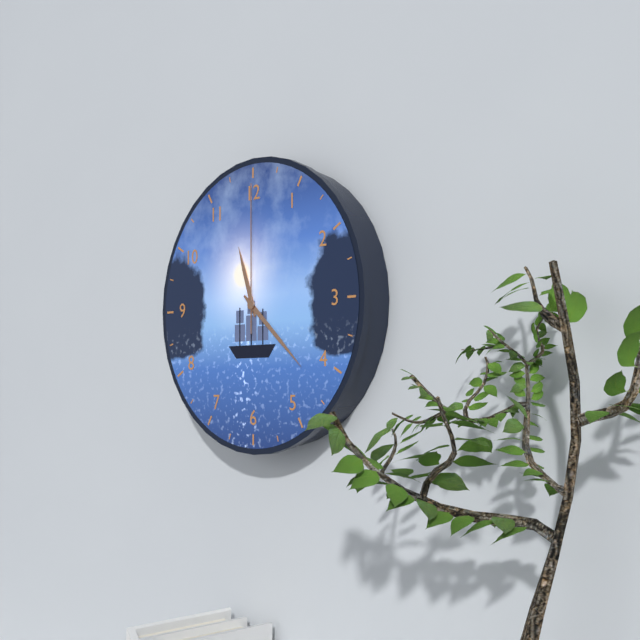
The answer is 11h22m00s
